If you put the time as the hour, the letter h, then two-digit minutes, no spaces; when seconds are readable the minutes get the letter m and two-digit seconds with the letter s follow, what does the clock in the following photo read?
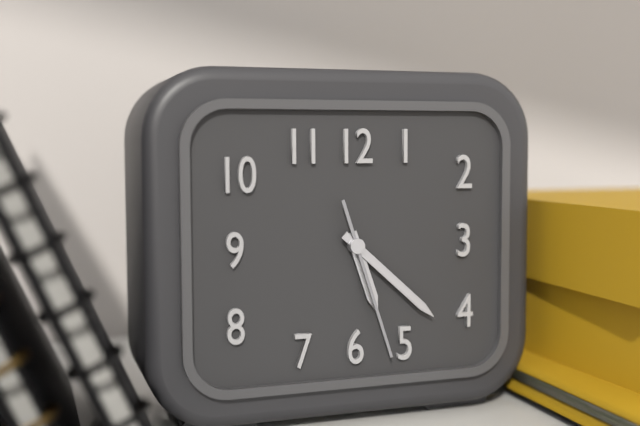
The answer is 5h22m27s
